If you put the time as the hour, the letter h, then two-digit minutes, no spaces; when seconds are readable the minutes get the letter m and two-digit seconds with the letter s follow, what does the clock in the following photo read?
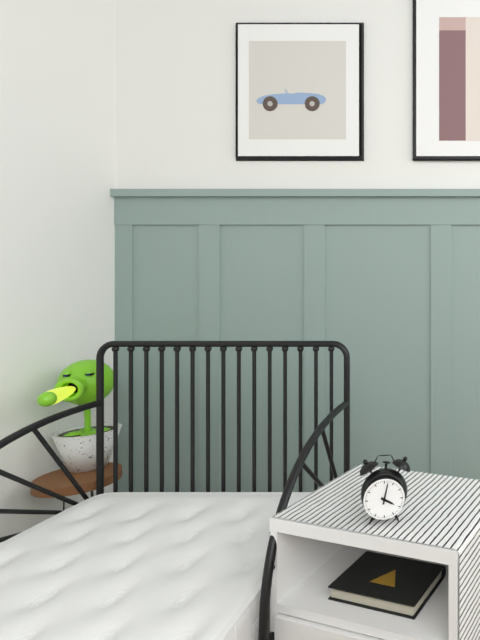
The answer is 4h02
